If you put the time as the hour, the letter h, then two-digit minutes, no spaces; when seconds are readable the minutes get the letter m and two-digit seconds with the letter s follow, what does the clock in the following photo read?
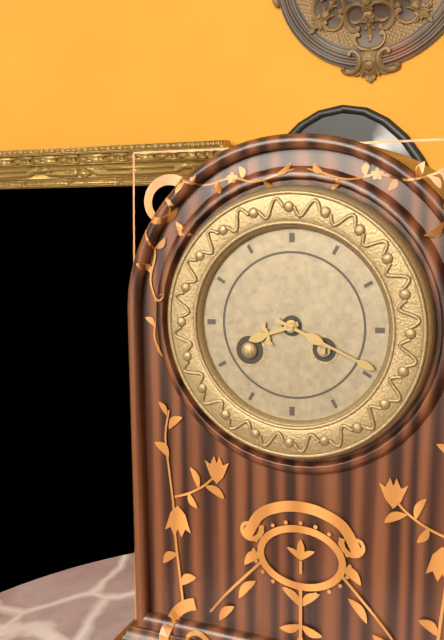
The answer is 8h19
